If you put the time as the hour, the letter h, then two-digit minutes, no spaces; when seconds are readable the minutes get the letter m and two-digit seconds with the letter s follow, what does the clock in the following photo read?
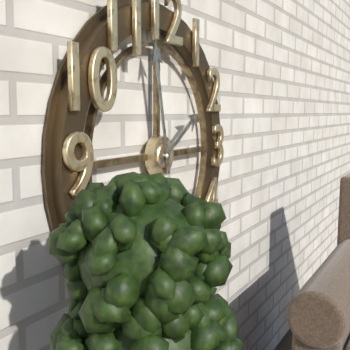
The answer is 1h58
